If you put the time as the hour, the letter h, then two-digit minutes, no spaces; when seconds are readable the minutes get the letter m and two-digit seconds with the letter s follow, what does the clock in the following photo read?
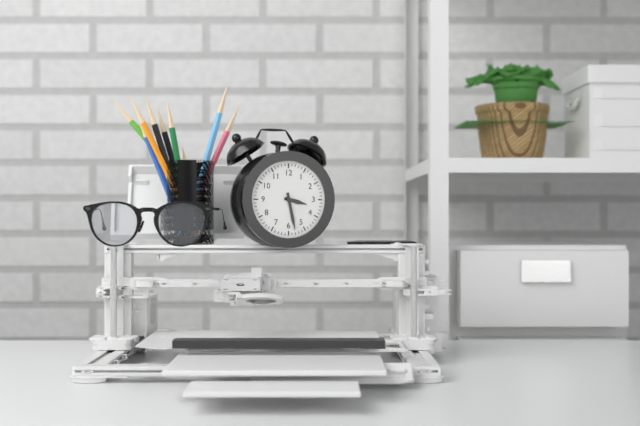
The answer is 3h28
